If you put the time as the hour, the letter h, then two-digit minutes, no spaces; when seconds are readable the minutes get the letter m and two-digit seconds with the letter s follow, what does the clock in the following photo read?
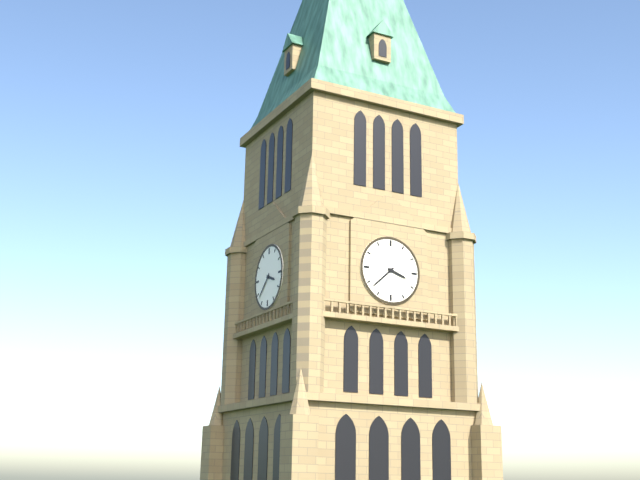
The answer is 3h38
